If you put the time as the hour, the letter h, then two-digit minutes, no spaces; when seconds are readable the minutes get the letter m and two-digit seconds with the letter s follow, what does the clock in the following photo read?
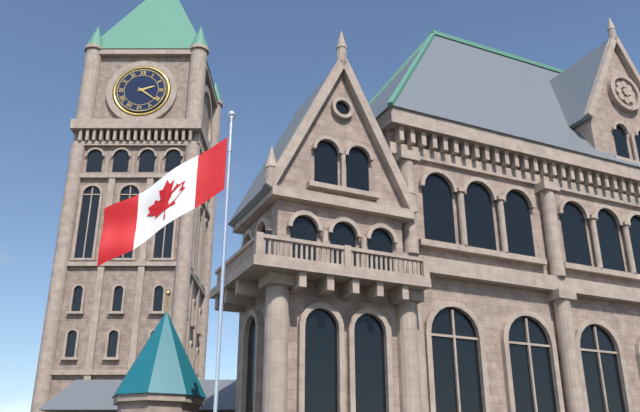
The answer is 2h21
